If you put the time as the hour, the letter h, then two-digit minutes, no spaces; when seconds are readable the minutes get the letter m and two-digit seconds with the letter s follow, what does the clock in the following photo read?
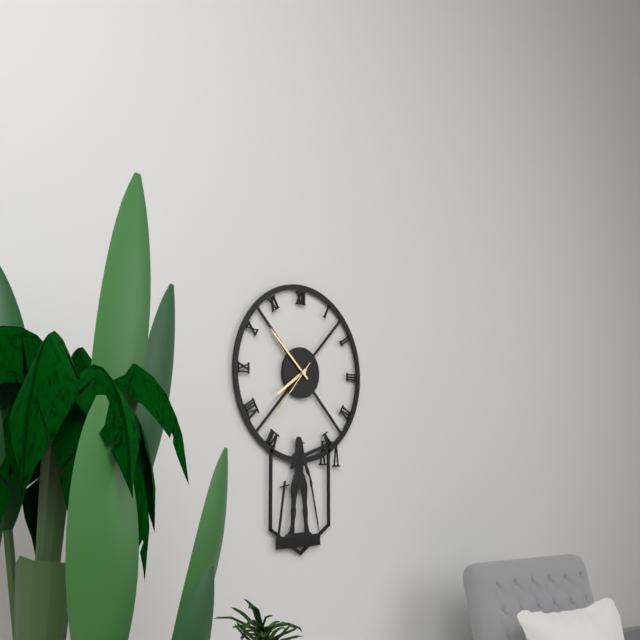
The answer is 7h52m37s
